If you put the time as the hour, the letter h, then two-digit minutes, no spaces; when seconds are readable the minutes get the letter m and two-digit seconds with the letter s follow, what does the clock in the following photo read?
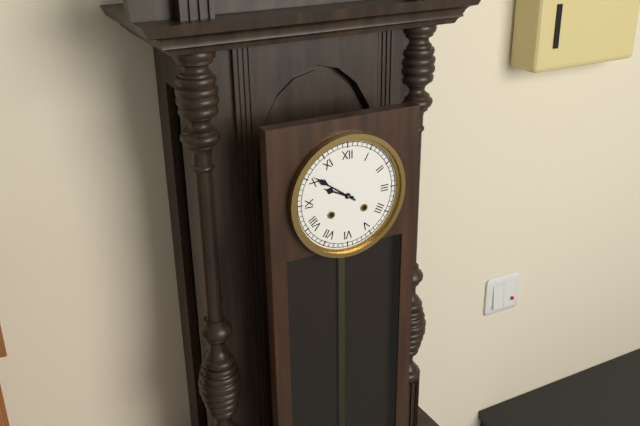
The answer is 9h51
